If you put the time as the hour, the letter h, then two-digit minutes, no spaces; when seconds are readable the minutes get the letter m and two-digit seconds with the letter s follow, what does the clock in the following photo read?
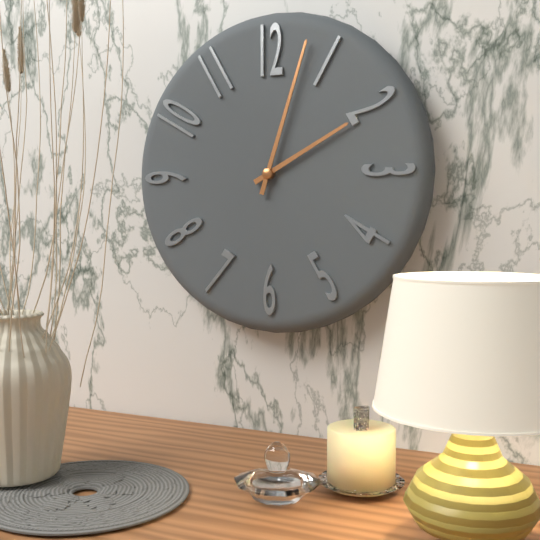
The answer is 2h03
